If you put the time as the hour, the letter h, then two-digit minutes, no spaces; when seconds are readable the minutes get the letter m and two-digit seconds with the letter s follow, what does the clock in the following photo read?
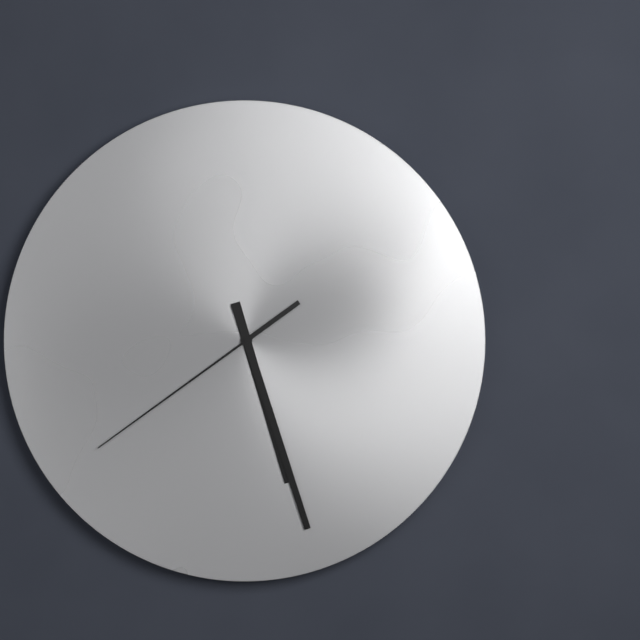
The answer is 5h27m39s
